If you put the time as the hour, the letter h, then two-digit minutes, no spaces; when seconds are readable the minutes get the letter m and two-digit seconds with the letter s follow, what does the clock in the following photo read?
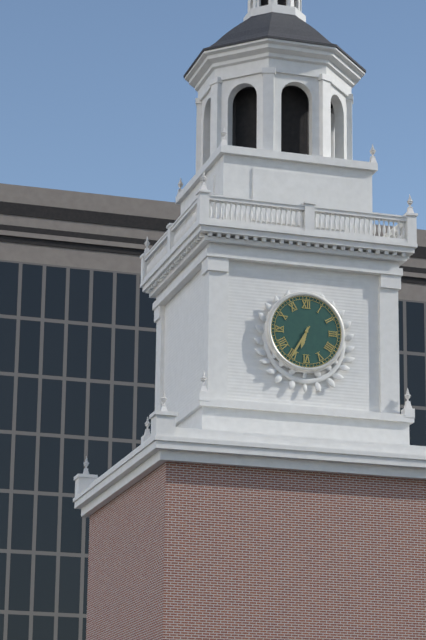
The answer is 6h35
